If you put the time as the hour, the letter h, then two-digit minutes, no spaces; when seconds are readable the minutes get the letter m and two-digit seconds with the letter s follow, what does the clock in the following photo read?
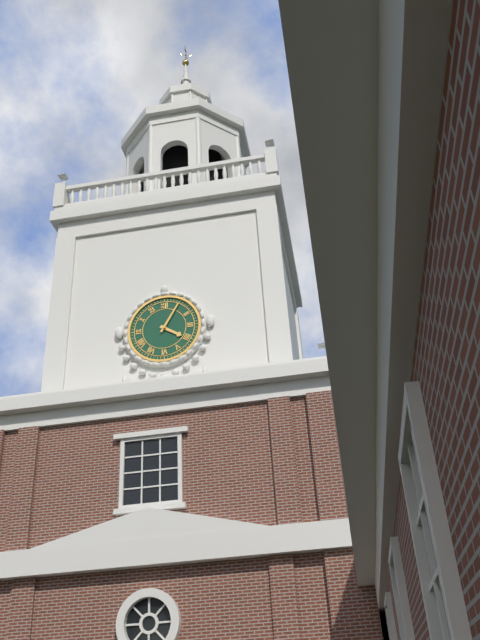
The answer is 4h05
